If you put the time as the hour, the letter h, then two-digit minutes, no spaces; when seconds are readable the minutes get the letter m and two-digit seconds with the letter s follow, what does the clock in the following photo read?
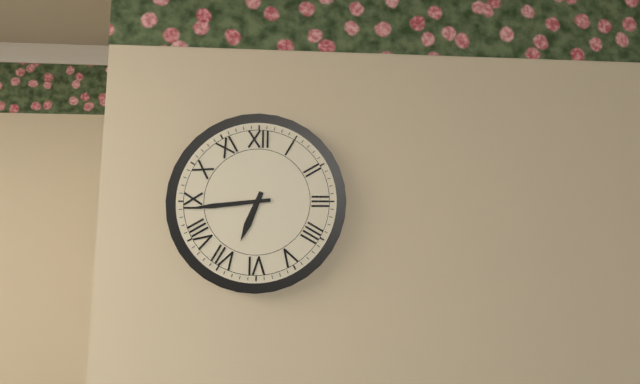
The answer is 6h44
